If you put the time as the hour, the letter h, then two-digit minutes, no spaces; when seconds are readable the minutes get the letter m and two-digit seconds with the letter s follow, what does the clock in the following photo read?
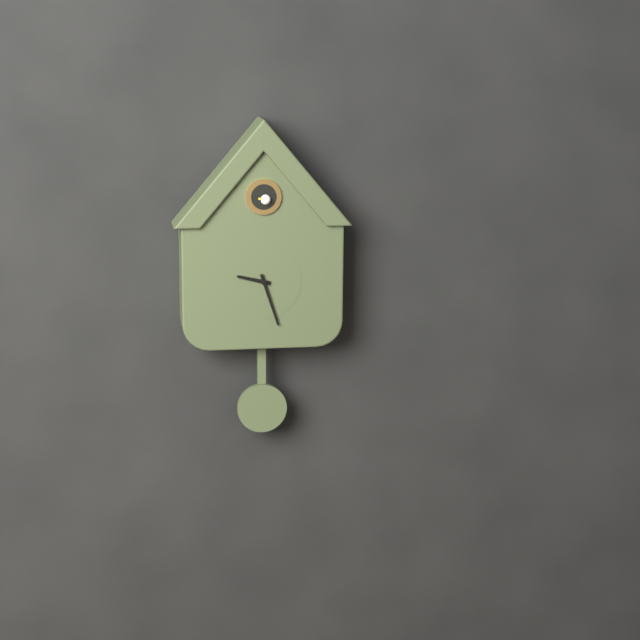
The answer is 9h27
